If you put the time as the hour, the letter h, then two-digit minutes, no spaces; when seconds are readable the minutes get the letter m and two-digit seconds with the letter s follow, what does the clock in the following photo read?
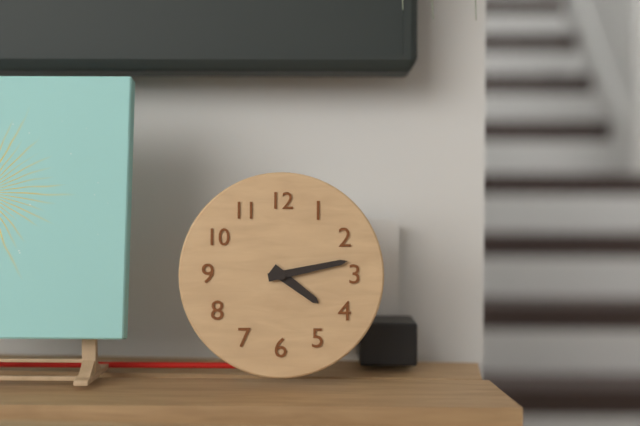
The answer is 4h13
